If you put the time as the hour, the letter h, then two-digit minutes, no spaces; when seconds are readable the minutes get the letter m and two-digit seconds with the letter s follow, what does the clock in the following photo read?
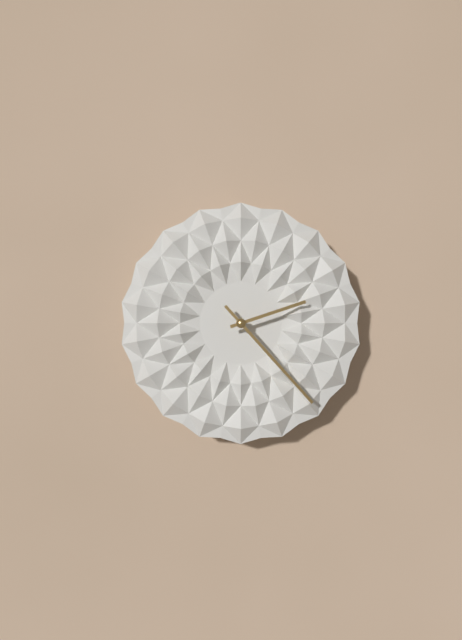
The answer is 2h23
